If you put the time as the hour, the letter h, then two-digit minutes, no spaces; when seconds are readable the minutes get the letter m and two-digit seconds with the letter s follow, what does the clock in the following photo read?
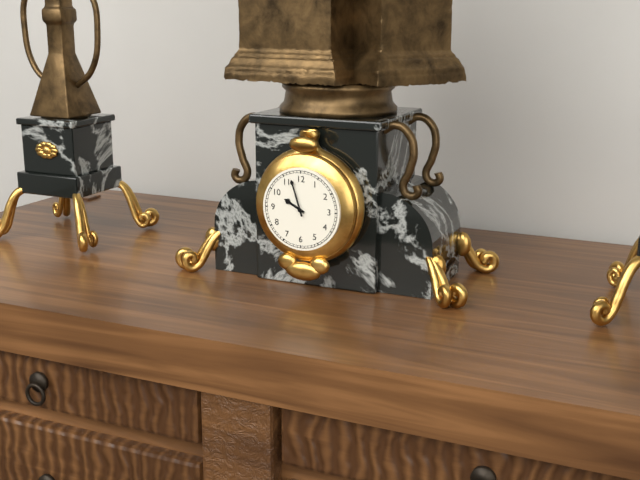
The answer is 9h57
